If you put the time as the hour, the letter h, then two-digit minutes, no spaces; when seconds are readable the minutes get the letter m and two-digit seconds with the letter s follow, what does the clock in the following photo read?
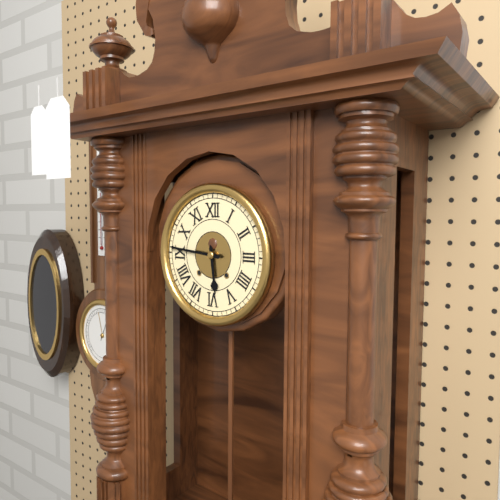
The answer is 5h46
